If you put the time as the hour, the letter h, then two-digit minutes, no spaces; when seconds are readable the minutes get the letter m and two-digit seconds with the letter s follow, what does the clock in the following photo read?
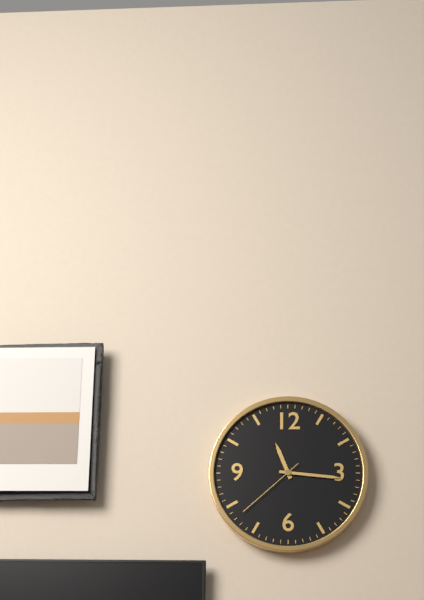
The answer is 11h16m38s
